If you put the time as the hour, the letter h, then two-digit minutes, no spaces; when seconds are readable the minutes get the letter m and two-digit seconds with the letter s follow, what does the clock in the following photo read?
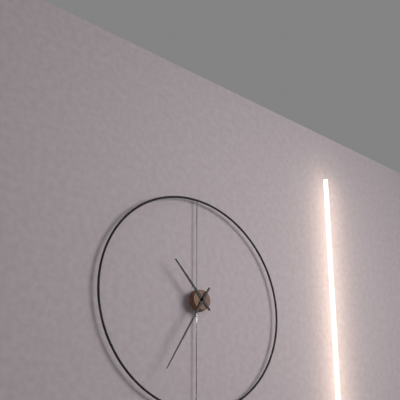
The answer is 10h35
